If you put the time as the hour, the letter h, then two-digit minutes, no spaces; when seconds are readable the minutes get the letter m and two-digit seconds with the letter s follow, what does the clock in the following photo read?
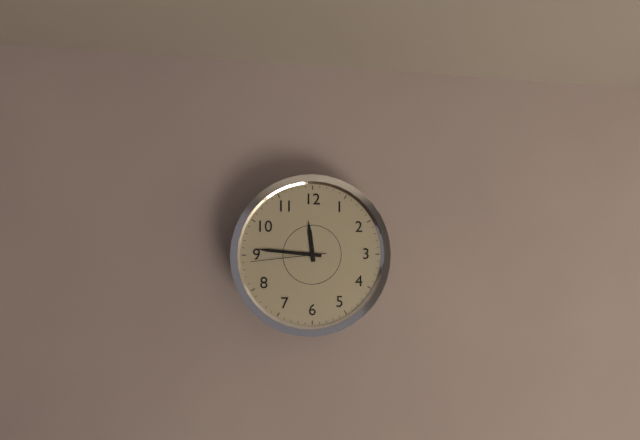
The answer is 11h46m44s
